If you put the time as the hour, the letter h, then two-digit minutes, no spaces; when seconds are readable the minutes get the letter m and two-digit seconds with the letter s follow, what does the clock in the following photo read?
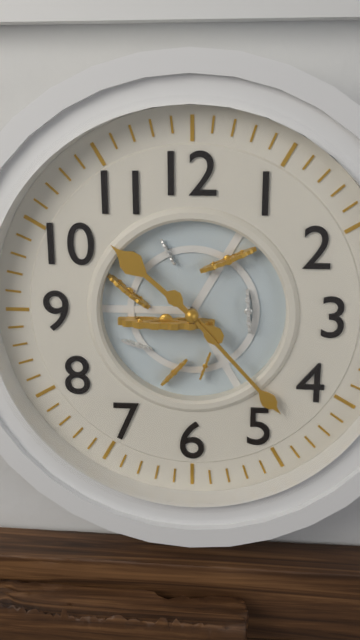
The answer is 10h23
